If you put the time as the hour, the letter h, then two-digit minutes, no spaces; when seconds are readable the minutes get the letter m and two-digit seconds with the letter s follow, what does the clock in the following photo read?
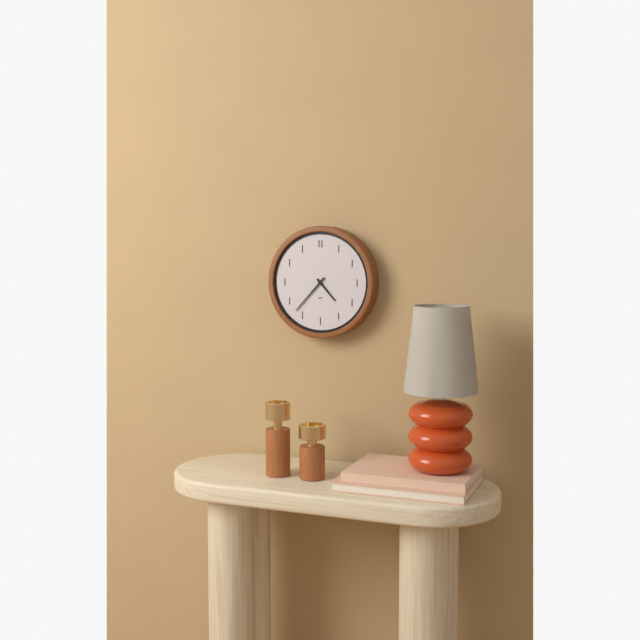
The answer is 4h37
